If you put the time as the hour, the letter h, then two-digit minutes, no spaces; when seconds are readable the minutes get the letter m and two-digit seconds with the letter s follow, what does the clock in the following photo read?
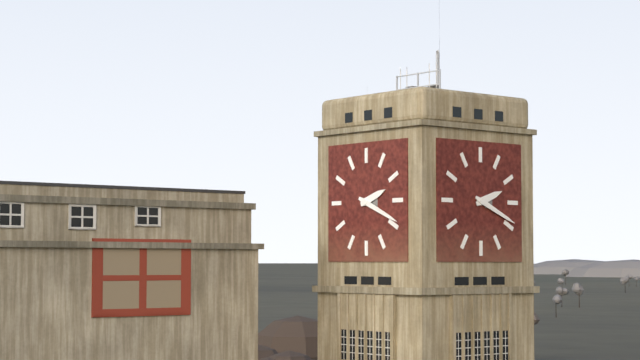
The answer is 2h19
